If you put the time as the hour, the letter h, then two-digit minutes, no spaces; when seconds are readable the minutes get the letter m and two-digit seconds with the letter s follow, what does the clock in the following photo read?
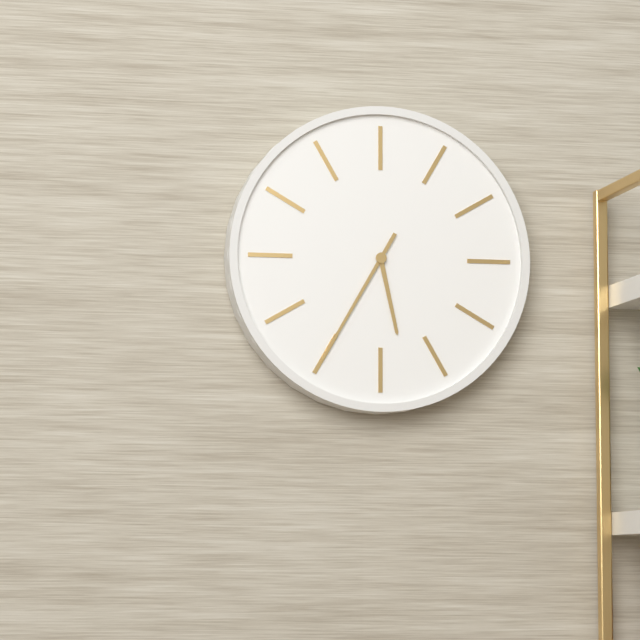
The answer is 5h35
